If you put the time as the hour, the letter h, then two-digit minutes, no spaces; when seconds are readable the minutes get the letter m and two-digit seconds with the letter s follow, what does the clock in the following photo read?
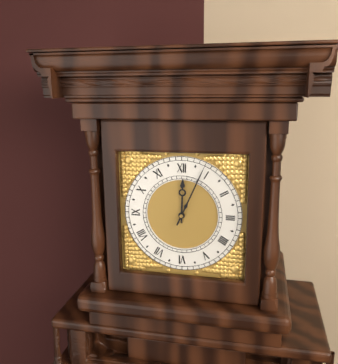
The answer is 12h04
